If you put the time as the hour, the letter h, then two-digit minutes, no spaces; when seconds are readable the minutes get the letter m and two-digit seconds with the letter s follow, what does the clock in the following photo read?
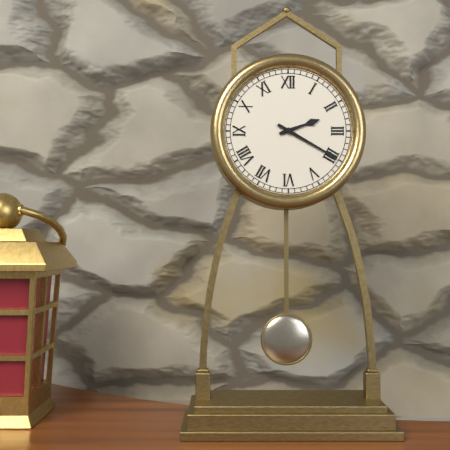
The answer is 2h20
